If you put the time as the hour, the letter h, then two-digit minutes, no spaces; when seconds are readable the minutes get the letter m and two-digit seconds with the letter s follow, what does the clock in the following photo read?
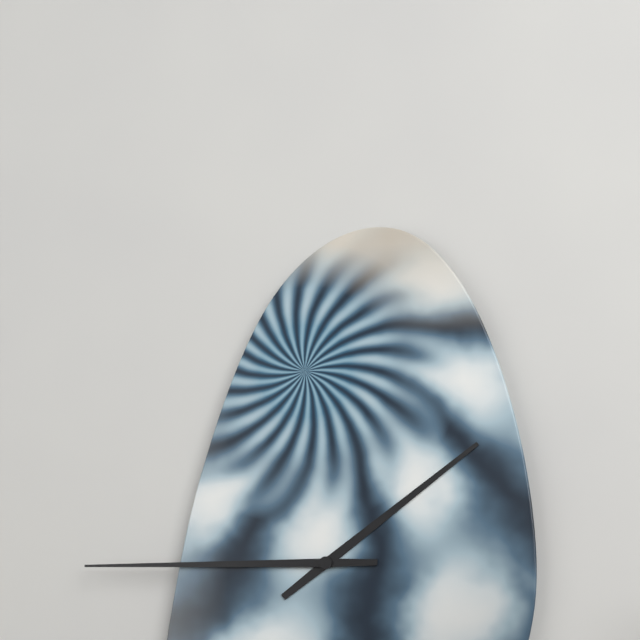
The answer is 1h45
